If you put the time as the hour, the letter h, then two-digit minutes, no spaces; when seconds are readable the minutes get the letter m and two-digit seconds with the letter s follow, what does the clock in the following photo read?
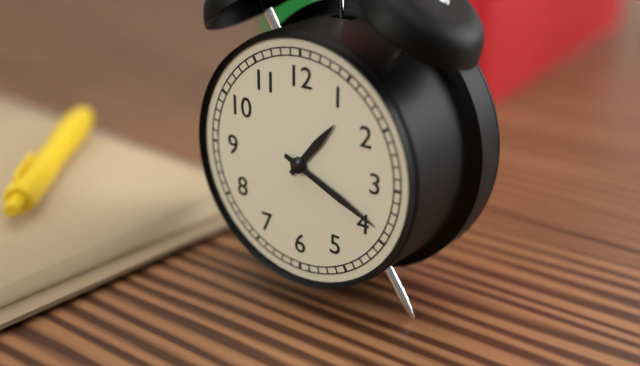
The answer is 1h19
